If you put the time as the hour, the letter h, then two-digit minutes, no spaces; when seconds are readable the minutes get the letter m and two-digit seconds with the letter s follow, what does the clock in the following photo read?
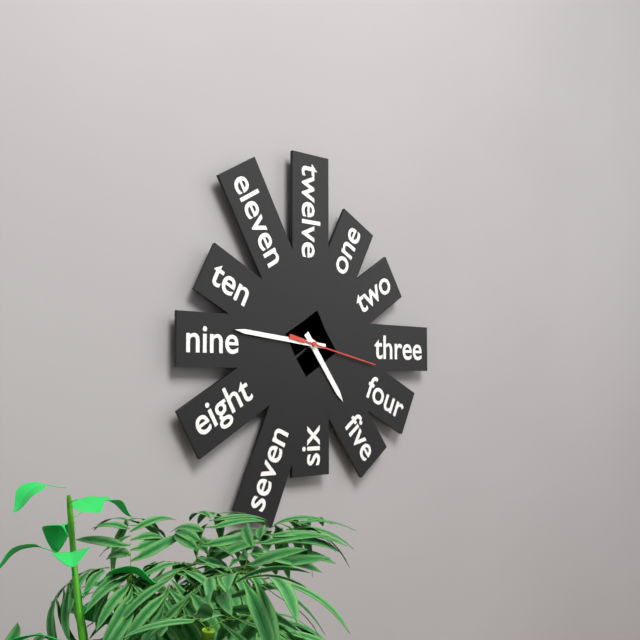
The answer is 4h46m17s
